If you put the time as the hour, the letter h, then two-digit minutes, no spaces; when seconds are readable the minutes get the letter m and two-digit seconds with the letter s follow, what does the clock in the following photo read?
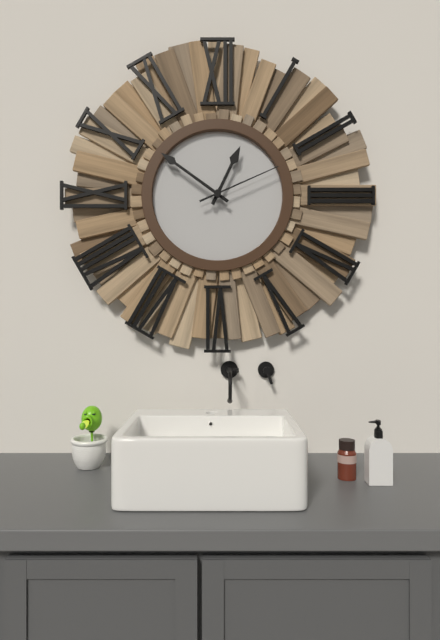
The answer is 12h51m11s
